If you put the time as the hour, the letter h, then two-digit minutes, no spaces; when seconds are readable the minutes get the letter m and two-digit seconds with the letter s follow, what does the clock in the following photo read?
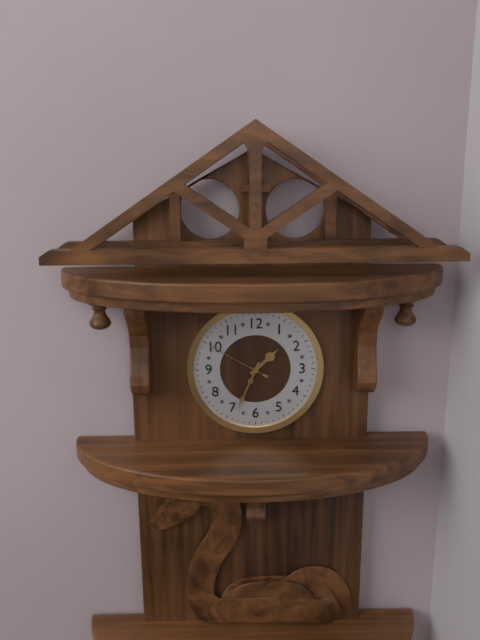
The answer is 1h34m50s
